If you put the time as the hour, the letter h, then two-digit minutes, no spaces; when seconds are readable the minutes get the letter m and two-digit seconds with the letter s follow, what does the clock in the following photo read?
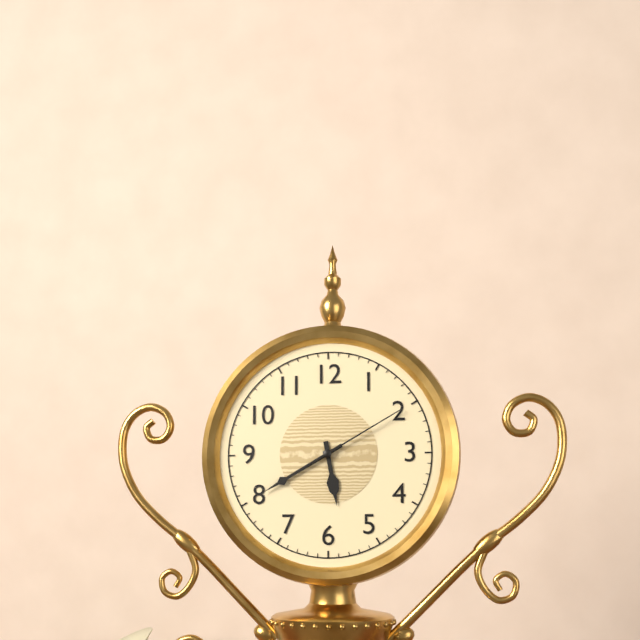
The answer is 5h40m10s
